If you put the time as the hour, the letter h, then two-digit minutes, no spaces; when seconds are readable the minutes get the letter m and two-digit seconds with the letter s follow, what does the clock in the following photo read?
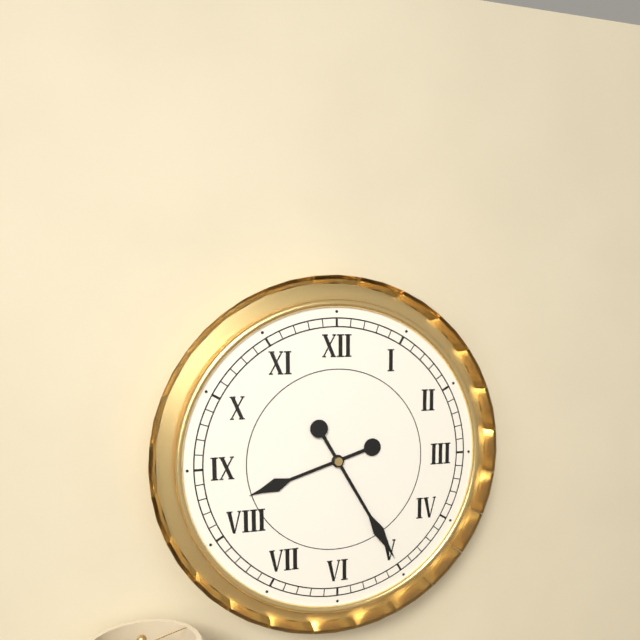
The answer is 8h25
